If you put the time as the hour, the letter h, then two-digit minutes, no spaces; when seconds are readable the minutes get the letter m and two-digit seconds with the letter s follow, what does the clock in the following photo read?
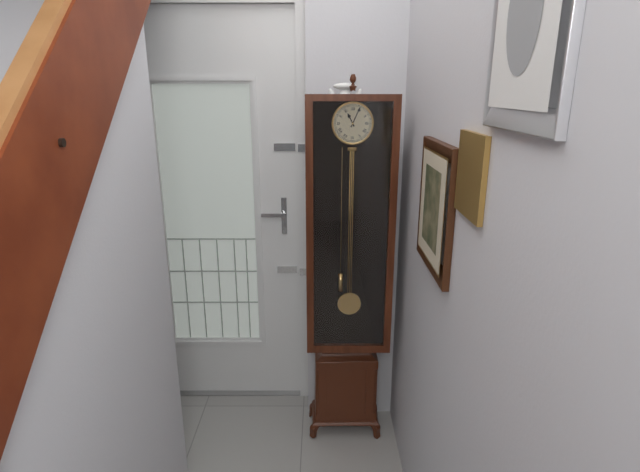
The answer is 11h04
